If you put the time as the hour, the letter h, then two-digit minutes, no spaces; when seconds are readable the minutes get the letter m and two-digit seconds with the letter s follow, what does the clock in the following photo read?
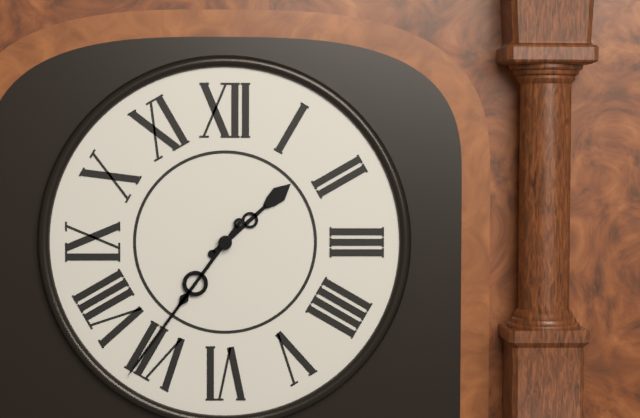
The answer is 1h36
